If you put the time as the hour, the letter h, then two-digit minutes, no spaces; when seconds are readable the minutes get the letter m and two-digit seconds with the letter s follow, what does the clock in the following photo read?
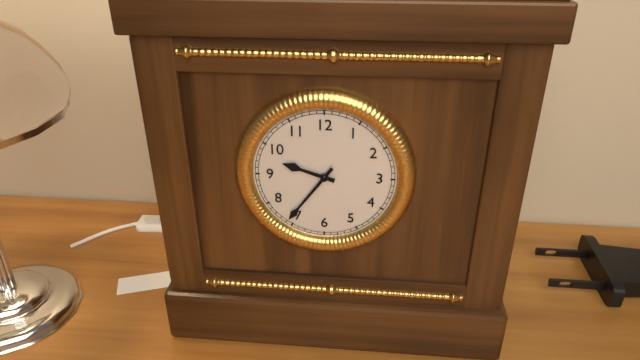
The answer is 9h36
